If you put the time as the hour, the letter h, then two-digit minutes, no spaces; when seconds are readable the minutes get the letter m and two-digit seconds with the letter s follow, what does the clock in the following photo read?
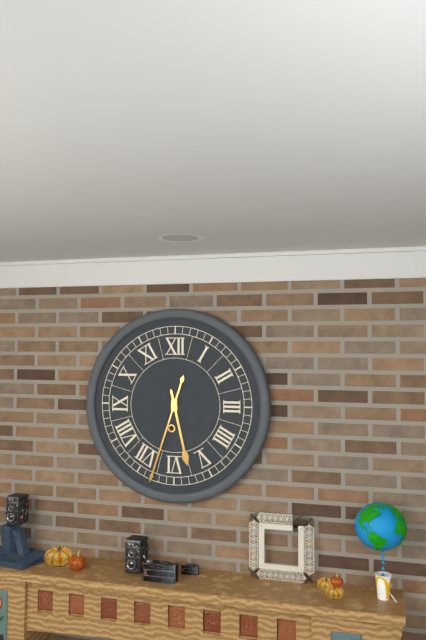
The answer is 5h33
